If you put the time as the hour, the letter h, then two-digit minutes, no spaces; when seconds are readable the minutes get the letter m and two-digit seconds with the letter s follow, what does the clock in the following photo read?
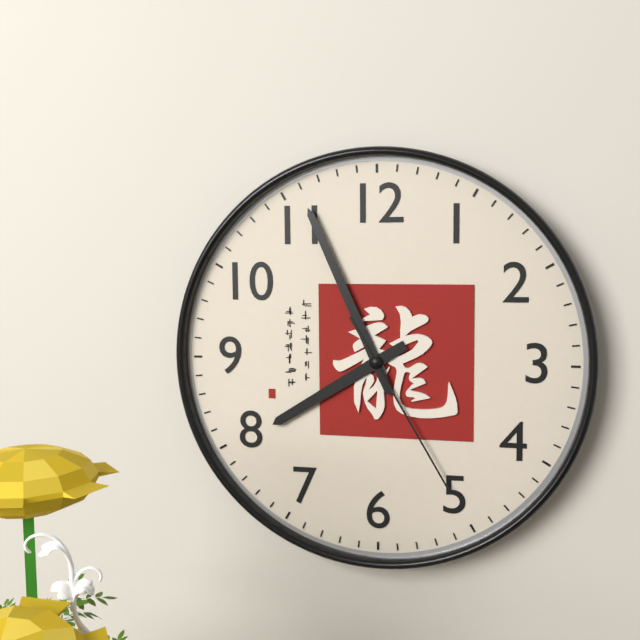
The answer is 7h56m25s
